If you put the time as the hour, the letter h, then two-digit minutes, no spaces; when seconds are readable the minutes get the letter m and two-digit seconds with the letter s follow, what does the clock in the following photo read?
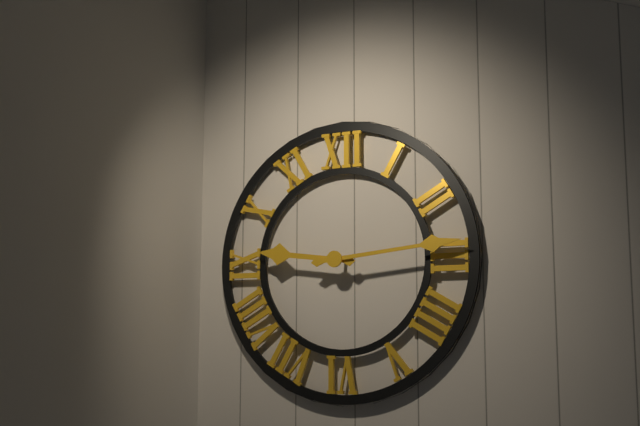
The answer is 9h14
